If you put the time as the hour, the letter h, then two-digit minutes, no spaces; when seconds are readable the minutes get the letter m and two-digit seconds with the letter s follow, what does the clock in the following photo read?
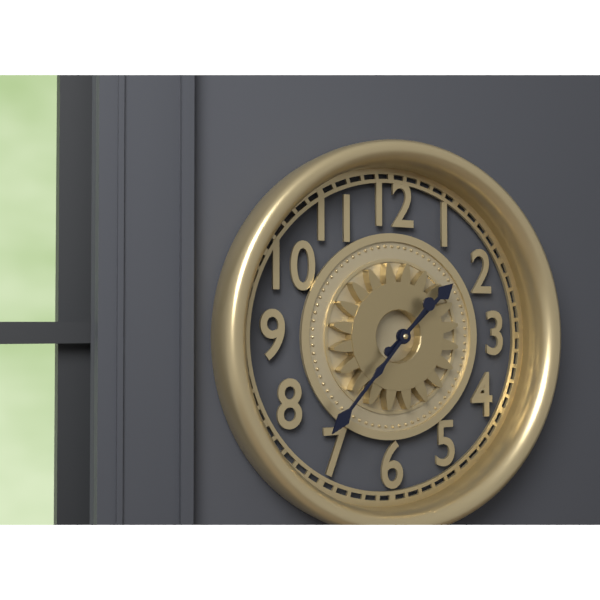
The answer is 1h37
